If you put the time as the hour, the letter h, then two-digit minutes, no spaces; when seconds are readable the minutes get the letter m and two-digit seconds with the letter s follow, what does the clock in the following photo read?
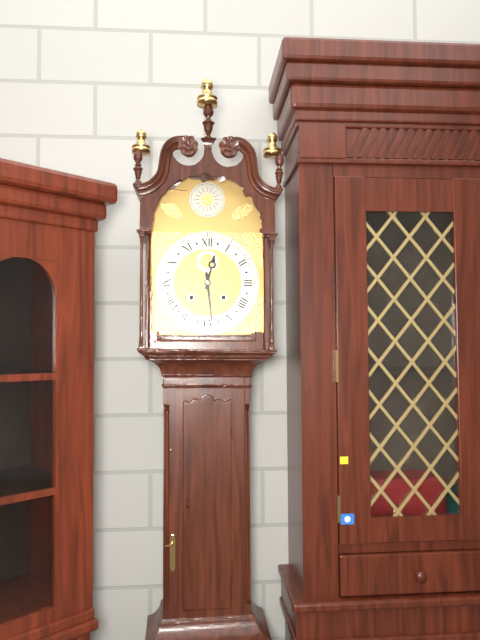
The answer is 12h29
